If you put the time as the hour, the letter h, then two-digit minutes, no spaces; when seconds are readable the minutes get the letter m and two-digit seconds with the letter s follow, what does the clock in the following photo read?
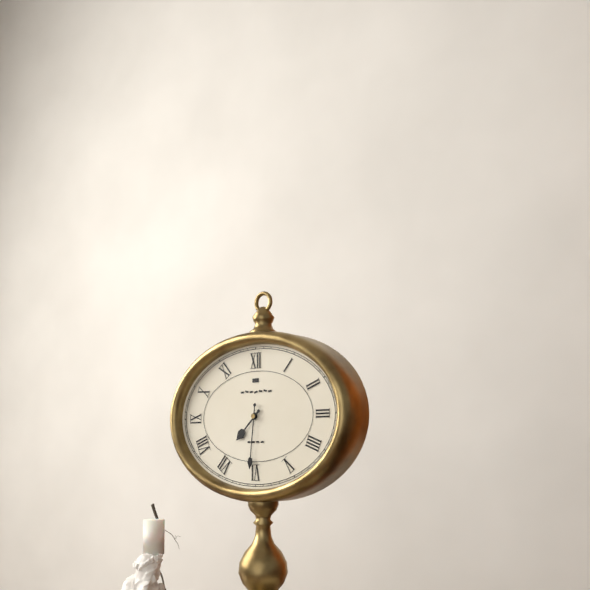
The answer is 7h31
